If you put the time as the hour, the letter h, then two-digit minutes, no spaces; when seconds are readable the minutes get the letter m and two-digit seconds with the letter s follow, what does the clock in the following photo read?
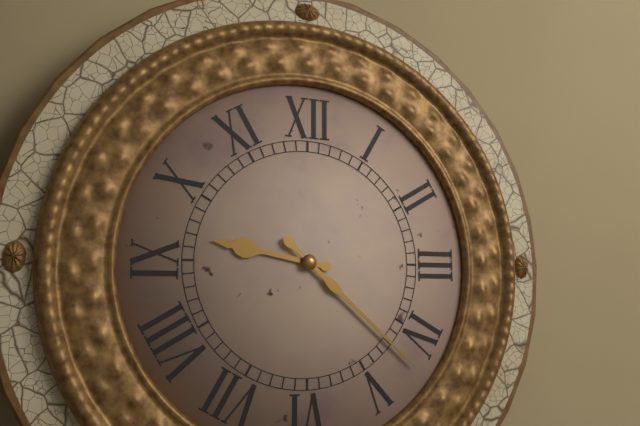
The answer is 9h22
